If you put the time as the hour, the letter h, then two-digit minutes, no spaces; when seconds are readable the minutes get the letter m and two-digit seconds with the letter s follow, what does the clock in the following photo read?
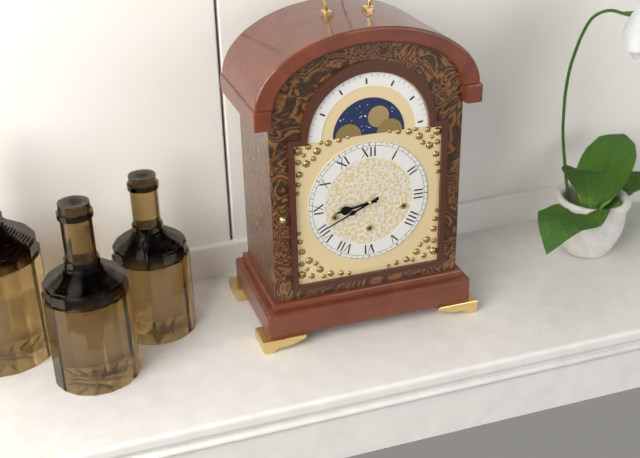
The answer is 8h41
